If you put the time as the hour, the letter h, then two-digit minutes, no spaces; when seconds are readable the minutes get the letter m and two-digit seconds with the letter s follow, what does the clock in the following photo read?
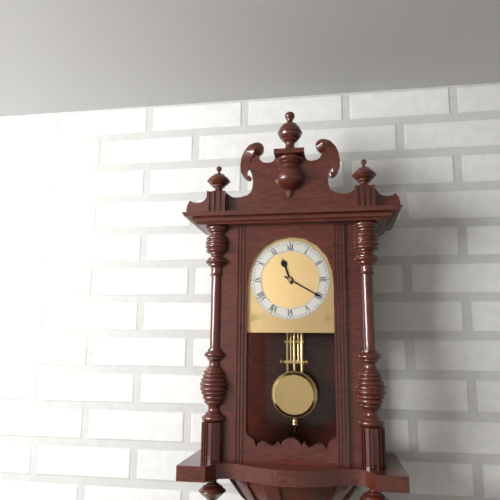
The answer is 11h20
